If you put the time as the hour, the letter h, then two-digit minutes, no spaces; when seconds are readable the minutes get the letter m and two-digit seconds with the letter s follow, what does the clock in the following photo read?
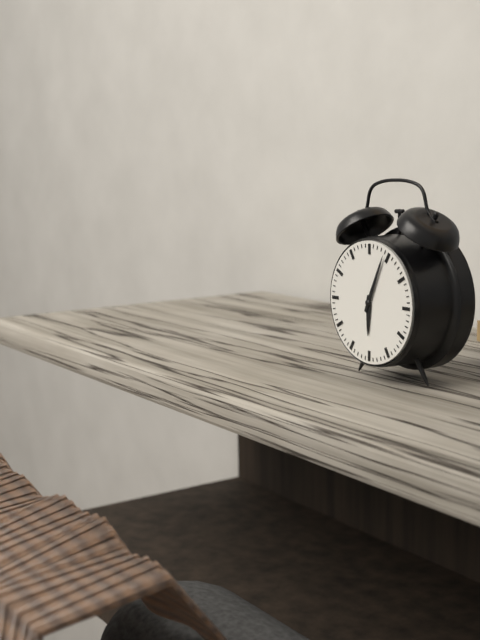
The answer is 6h04
